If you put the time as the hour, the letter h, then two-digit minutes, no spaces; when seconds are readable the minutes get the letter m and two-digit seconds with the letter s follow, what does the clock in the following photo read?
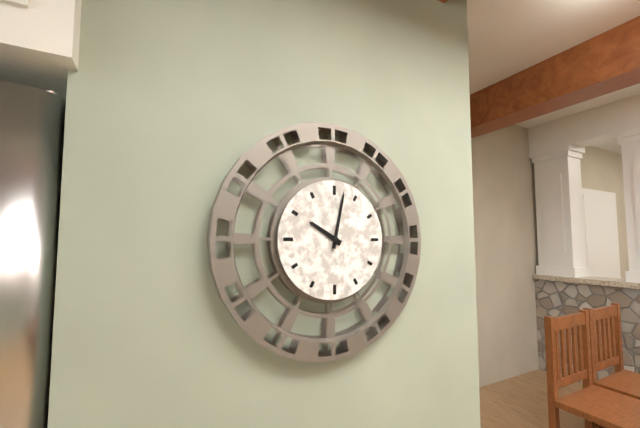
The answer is 10h02
